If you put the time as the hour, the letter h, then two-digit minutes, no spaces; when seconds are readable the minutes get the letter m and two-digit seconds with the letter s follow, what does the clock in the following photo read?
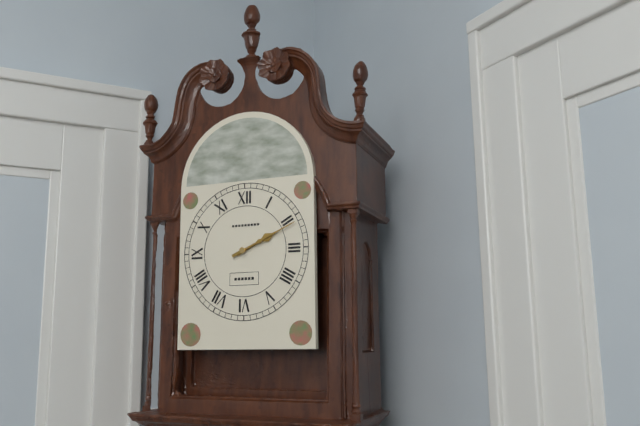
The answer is 2h11
